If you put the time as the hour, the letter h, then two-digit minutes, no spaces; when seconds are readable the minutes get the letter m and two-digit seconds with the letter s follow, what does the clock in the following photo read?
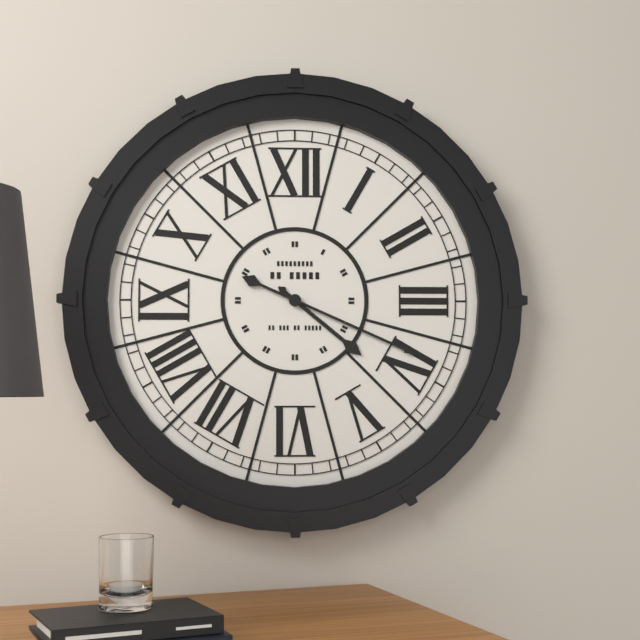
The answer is 4h19
